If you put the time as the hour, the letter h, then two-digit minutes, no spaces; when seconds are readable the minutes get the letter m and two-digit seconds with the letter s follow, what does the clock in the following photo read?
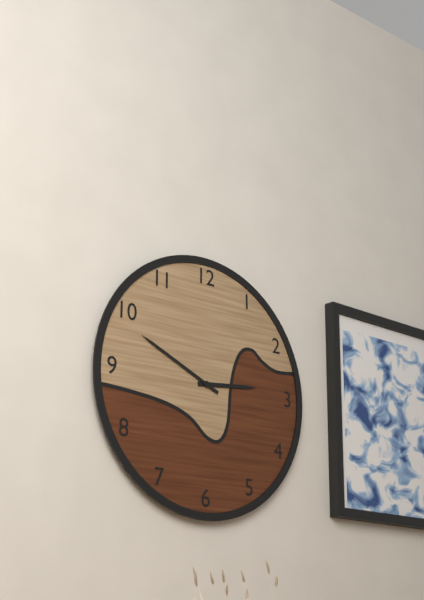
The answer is 2h49
